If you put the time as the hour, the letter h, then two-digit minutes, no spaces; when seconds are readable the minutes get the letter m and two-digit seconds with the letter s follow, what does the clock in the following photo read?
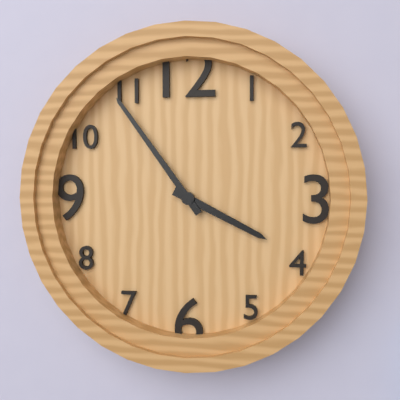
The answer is 3h54
